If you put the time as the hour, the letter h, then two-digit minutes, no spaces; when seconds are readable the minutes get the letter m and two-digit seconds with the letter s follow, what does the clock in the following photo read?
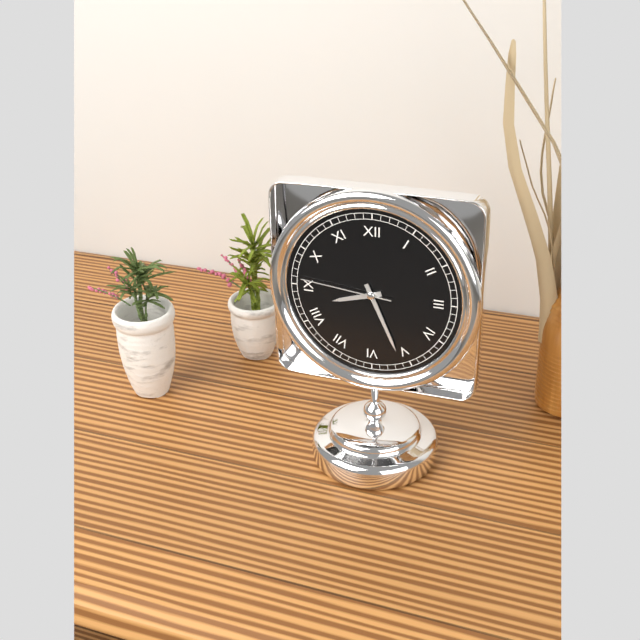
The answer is 8h26m46s
